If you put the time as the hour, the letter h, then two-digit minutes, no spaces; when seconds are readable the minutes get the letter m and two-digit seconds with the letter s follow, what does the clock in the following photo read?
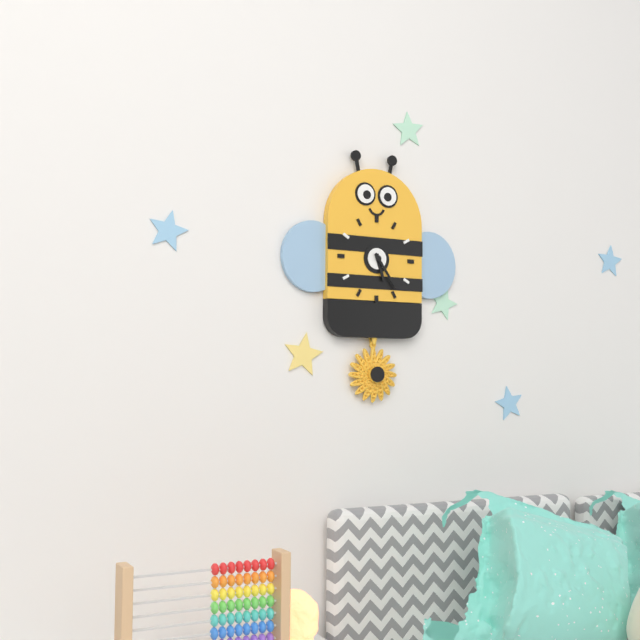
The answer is 5h24
